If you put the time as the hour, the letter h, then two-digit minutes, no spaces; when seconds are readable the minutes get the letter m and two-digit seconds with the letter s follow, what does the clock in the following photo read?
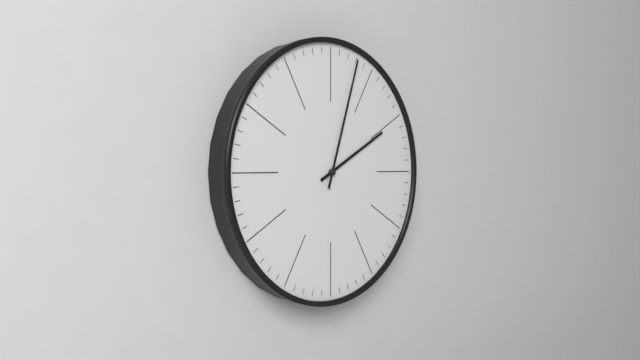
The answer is 2h03
